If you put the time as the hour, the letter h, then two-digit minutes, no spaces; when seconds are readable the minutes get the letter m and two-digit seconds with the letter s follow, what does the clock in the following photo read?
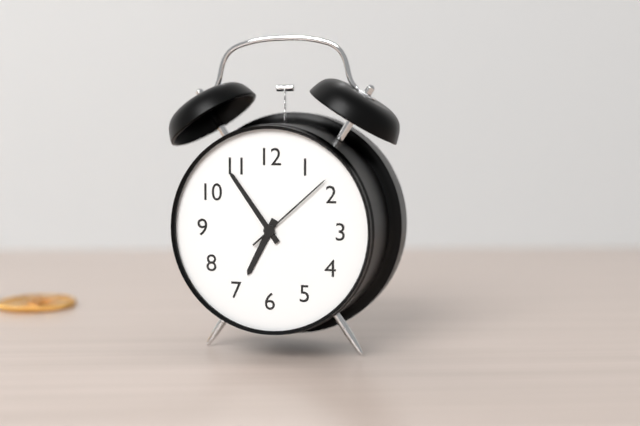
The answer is 6h54m08s
